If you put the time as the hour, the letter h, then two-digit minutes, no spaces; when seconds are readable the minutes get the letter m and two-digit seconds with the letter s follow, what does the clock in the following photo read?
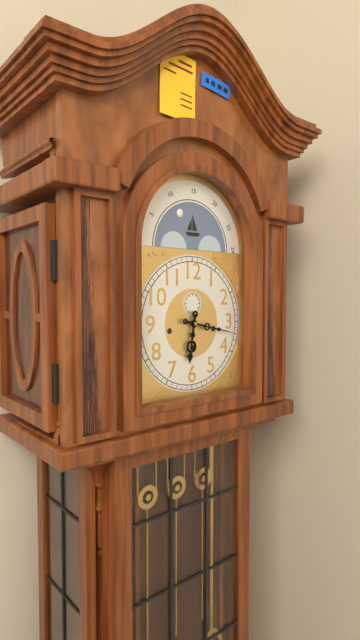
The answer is 6h17
